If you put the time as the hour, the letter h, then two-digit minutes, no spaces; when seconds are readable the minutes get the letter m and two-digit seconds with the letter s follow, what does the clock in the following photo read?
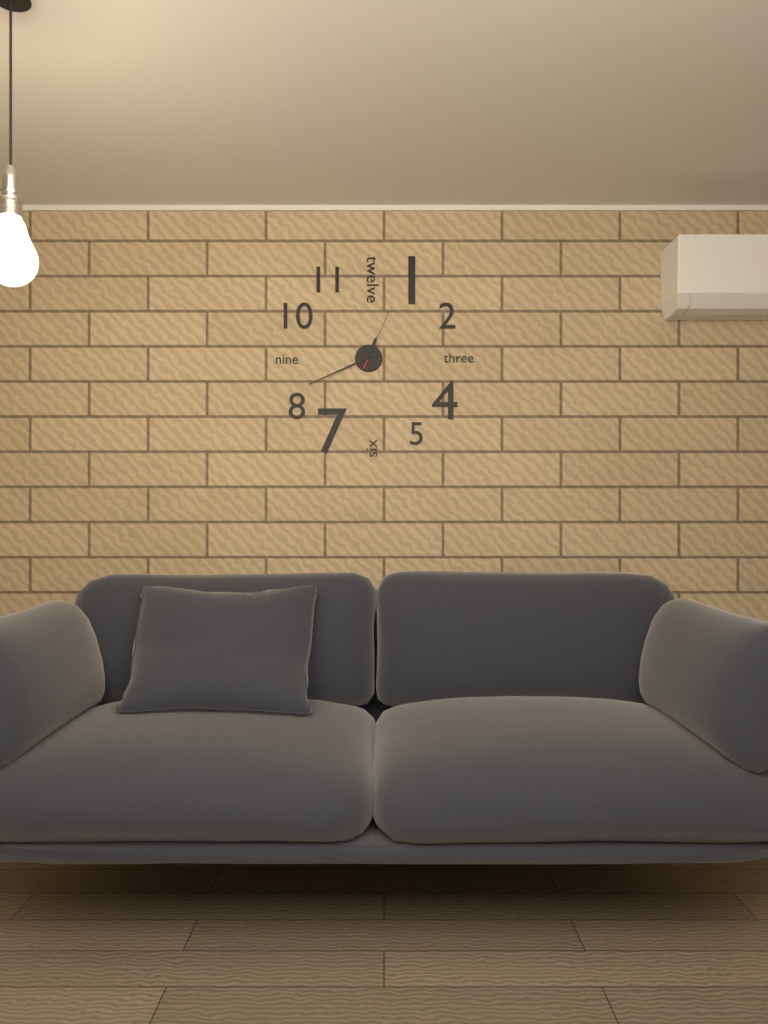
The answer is 12h41m04s
